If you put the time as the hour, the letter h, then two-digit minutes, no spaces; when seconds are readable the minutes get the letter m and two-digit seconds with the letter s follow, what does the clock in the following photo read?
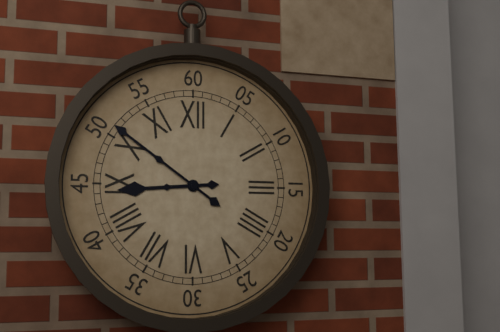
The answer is 8h51
